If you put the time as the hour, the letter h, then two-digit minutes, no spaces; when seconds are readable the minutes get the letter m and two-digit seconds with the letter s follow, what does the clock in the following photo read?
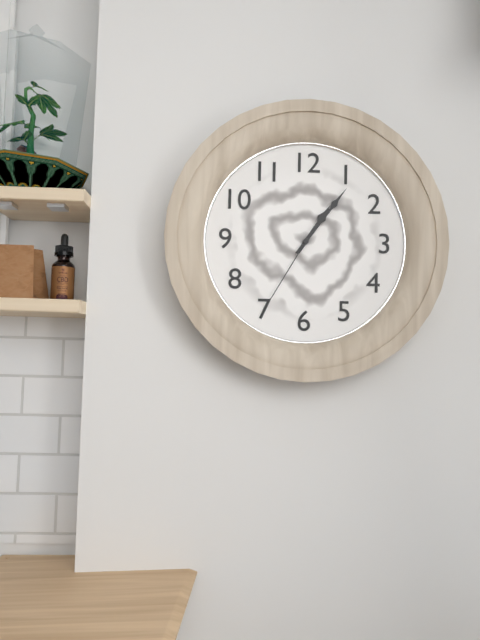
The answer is 1h06m35s
